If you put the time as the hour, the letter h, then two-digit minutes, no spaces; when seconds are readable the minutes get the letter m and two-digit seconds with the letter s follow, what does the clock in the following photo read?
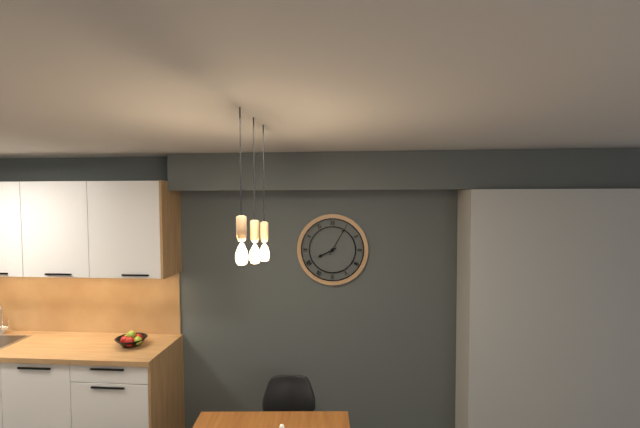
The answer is 8h05
